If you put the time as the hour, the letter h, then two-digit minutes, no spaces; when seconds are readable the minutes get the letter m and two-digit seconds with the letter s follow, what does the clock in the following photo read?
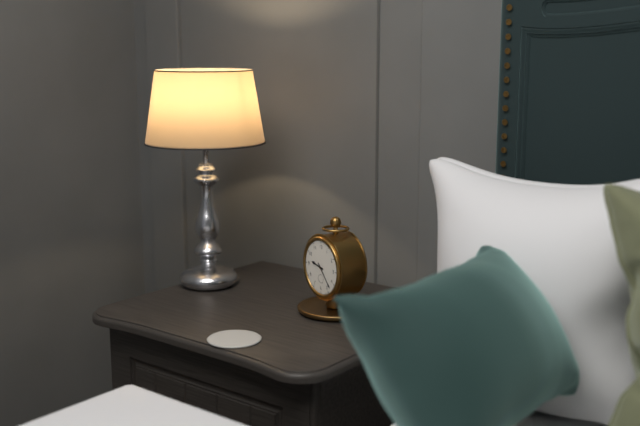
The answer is 9h23
